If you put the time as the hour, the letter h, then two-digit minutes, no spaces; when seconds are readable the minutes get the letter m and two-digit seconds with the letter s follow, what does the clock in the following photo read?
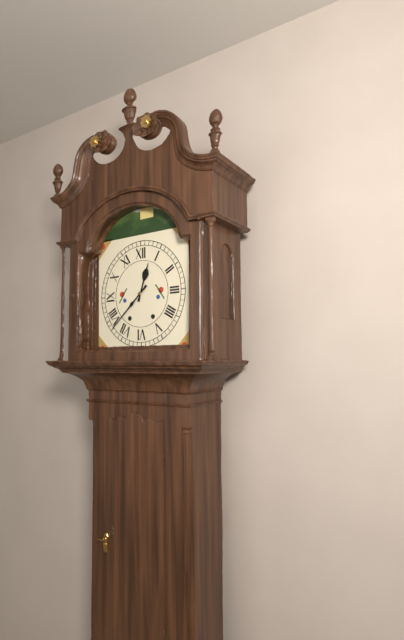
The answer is 12h38
